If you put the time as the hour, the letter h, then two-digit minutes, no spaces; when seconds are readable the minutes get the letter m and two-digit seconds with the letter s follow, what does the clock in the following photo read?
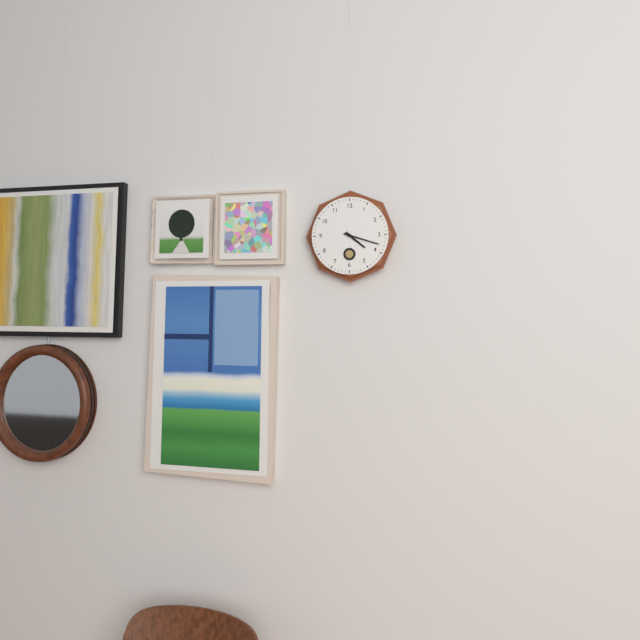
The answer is 4h18
